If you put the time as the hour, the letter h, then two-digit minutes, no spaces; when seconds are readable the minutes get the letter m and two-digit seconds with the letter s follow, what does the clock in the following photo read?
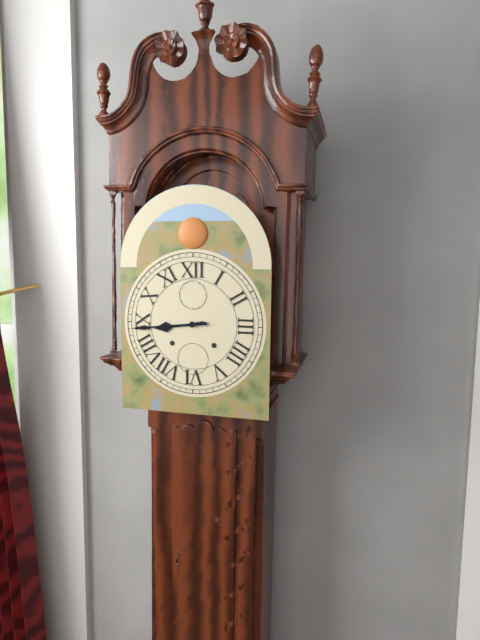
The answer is 8h44
